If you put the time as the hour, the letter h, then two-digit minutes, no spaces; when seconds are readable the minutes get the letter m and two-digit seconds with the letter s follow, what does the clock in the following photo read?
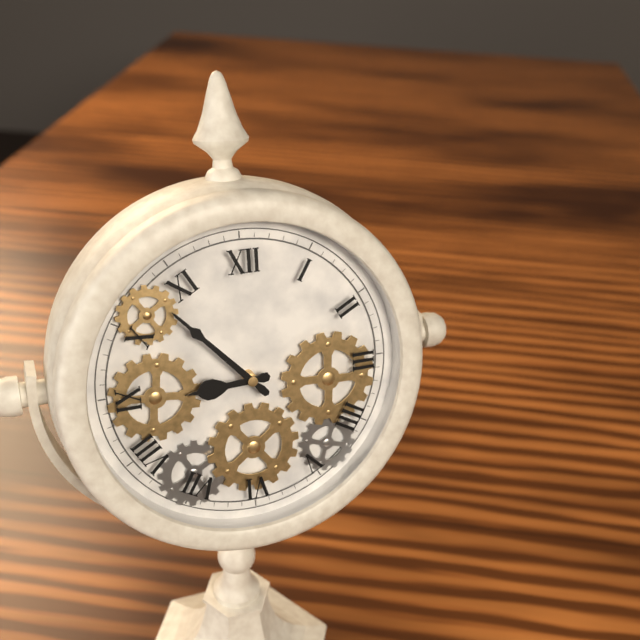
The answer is 8h53
